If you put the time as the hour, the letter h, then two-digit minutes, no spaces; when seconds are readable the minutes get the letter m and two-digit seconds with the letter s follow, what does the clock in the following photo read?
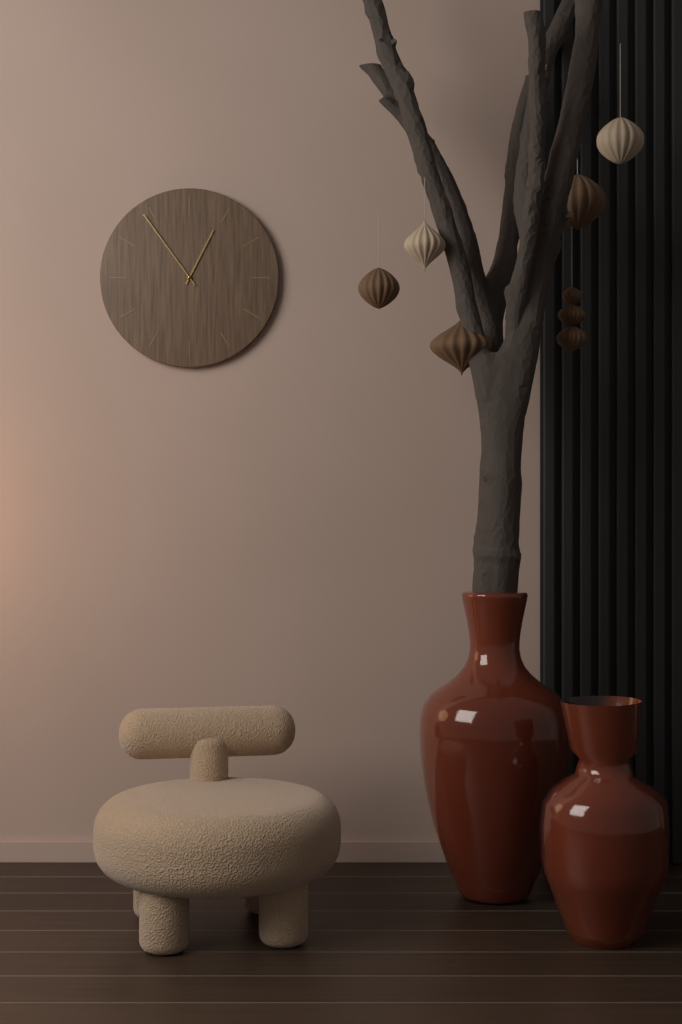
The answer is 12h54
